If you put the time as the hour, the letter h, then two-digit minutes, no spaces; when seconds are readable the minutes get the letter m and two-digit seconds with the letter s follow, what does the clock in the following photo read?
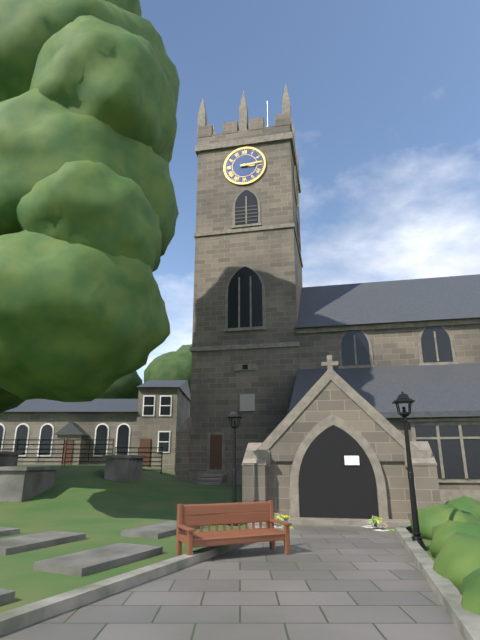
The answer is 3h14
